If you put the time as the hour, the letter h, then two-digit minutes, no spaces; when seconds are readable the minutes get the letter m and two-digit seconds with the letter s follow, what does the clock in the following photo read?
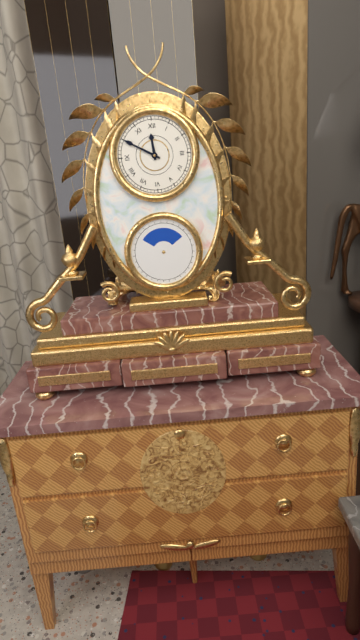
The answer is 11h50
